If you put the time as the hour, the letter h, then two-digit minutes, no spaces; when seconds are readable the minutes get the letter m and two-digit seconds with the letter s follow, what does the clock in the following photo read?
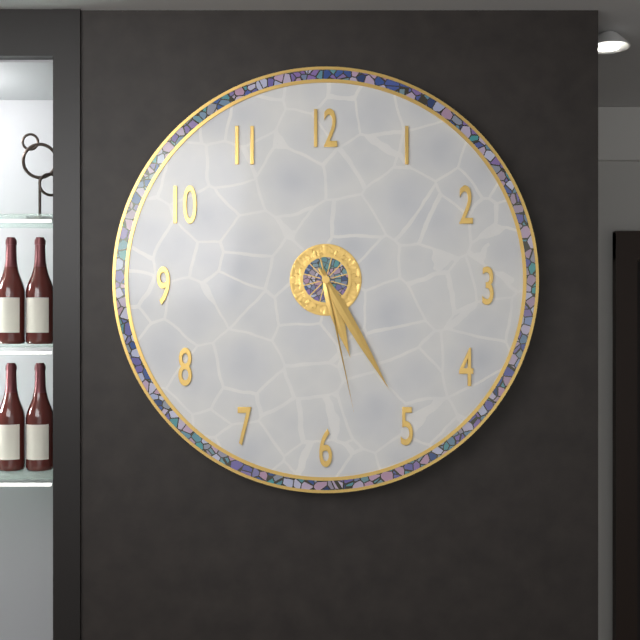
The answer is 5h25m28s
